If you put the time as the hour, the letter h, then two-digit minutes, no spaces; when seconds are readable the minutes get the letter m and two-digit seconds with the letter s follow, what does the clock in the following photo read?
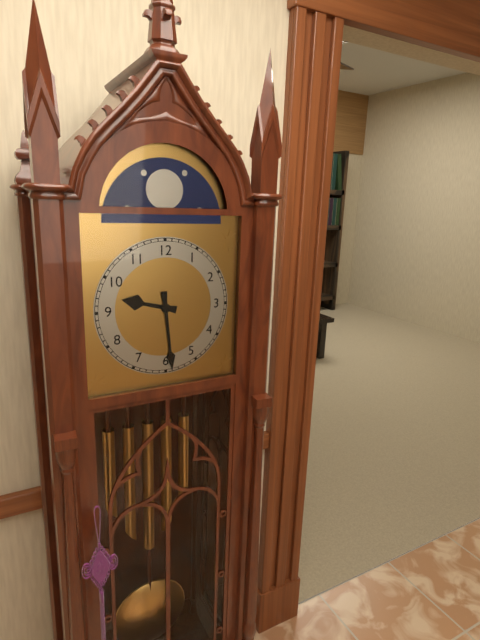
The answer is 9h29
